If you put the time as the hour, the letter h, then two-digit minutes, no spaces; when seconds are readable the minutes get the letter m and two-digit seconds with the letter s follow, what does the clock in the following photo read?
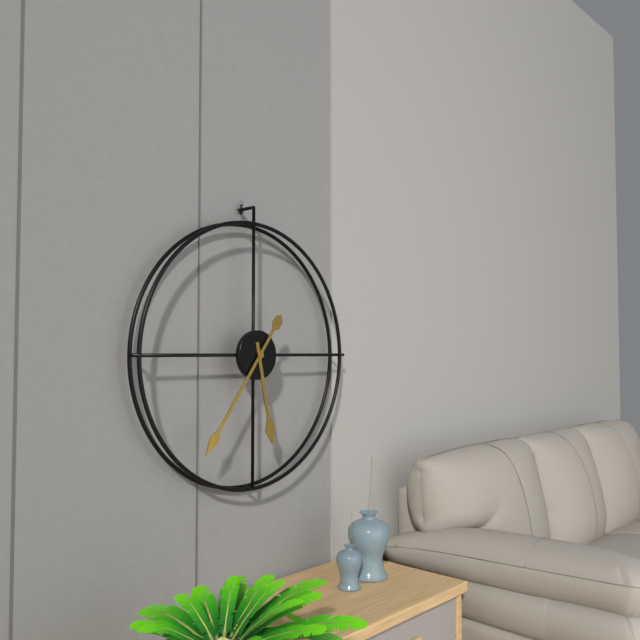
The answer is 5h36
